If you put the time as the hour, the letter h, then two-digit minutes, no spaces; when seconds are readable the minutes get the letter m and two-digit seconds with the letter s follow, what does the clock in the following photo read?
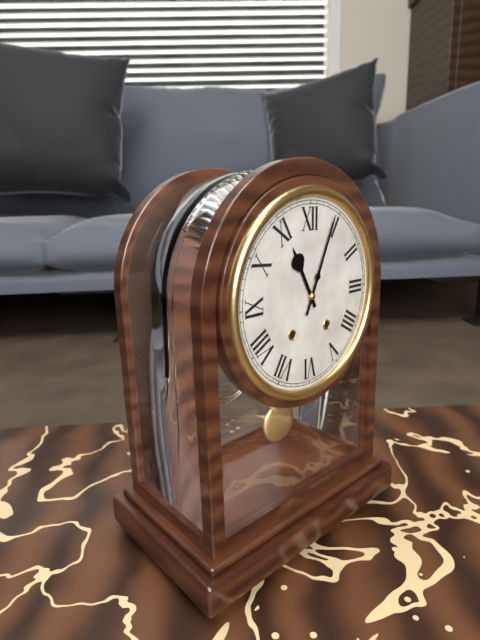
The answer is 11h04
